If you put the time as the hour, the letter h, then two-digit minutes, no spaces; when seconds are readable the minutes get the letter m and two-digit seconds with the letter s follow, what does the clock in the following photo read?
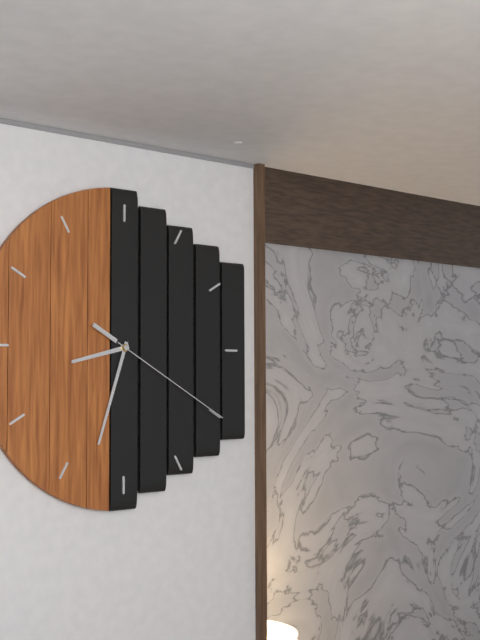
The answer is 8h33m20s
